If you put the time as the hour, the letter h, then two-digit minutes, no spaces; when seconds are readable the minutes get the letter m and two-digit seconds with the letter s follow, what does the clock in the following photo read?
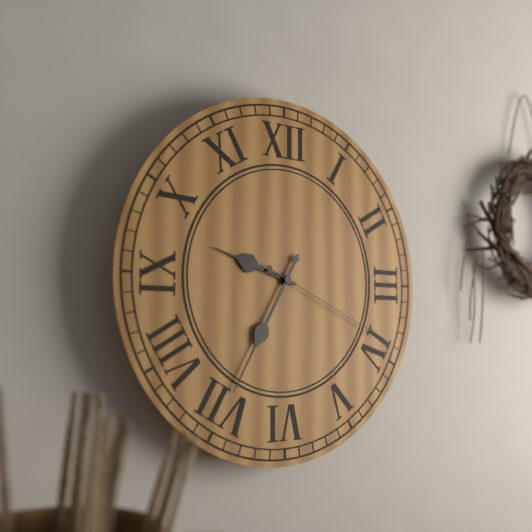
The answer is 9h35m19s
